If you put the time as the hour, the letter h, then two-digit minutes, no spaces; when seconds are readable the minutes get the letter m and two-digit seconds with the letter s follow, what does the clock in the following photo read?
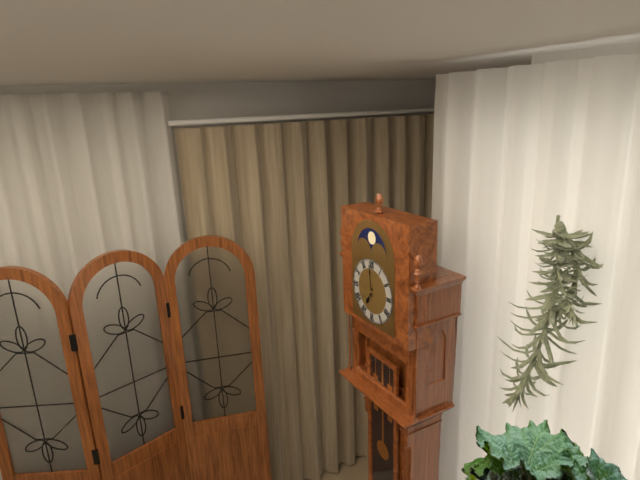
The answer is 6h59
